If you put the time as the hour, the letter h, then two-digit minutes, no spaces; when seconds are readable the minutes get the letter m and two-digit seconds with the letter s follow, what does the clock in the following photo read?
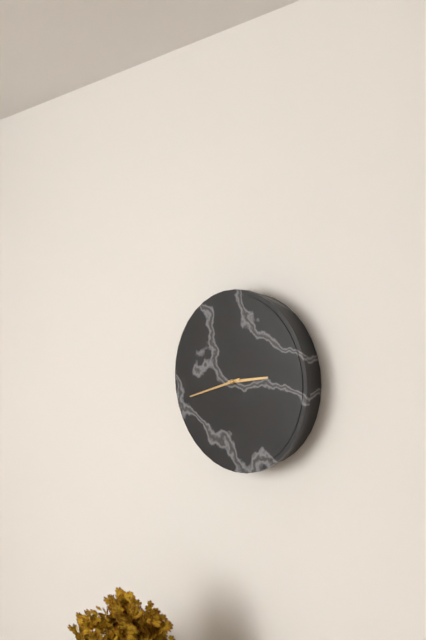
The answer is 2h42
